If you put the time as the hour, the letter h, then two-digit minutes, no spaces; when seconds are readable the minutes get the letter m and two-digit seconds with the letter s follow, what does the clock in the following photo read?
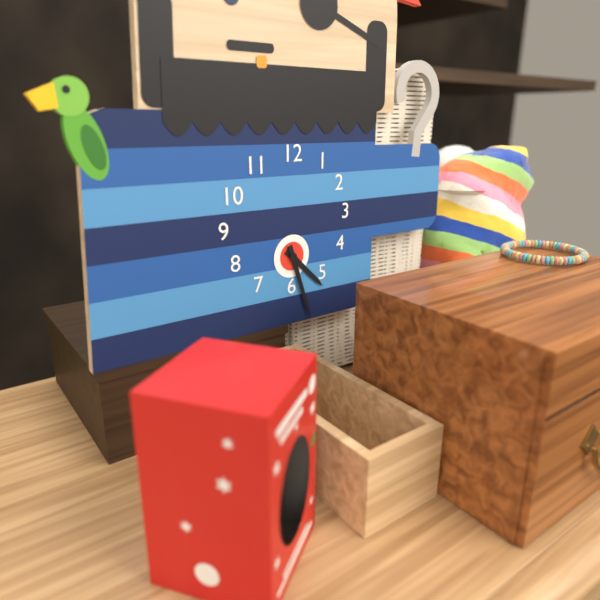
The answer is 4h27
